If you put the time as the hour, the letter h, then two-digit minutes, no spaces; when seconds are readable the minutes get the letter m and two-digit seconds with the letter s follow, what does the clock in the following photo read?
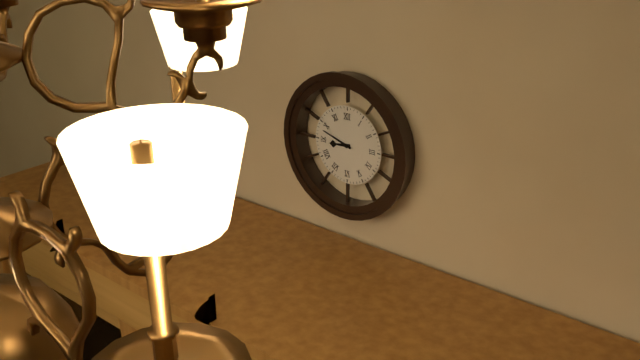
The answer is 8h48
